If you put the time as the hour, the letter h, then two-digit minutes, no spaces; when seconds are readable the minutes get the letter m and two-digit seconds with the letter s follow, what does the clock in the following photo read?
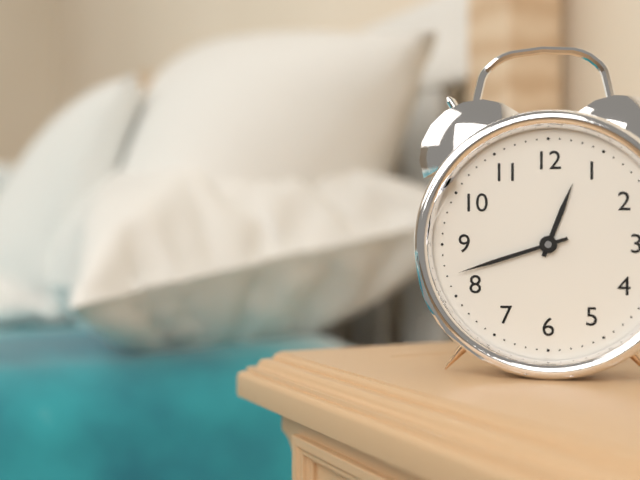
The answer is 12h42
